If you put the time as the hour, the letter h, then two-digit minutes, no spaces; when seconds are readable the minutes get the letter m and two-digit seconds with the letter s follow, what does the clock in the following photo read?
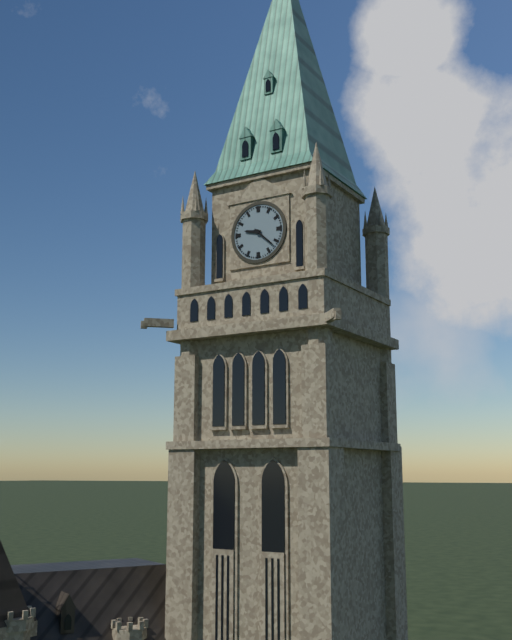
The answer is 9h22
